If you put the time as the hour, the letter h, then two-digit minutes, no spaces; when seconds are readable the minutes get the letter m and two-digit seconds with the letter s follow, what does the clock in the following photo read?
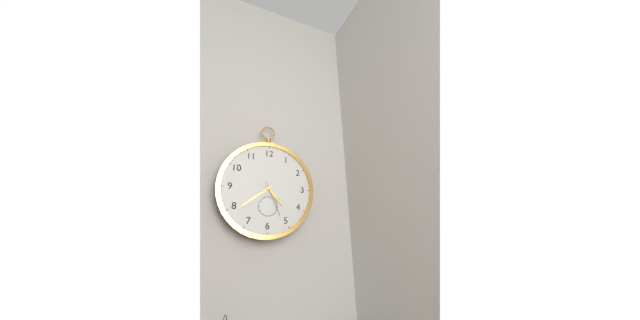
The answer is 4h39
